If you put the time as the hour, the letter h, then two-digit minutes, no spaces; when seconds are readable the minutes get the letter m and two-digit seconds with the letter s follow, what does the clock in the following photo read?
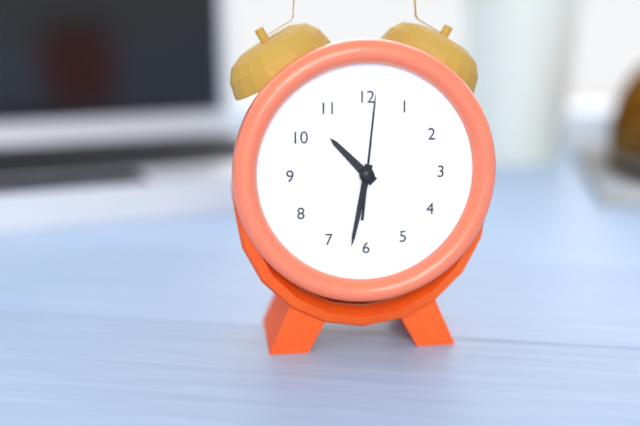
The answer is 10h32m01s
